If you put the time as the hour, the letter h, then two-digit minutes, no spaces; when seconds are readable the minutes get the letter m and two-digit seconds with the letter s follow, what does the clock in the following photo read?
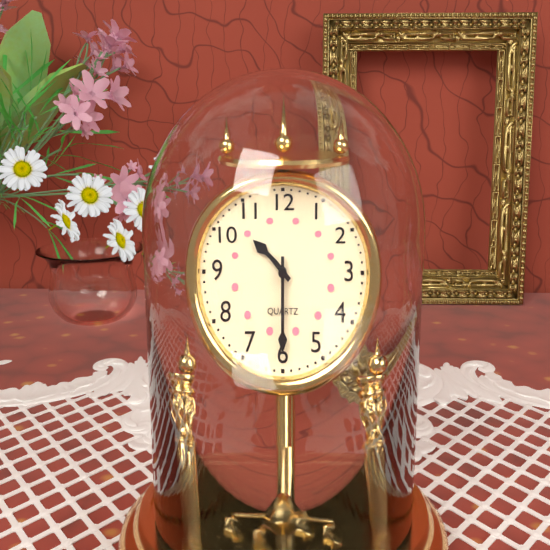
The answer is 10h30
